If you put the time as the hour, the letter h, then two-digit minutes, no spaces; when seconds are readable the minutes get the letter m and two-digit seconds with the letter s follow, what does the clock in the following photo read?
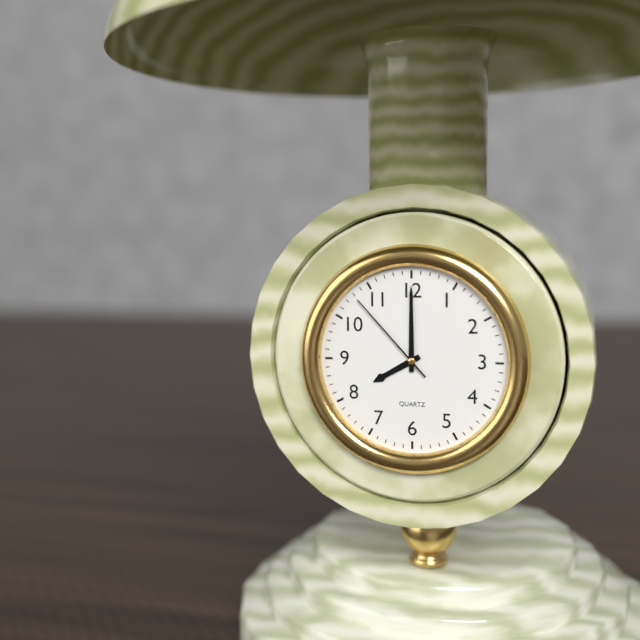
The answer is 8h00m53s
